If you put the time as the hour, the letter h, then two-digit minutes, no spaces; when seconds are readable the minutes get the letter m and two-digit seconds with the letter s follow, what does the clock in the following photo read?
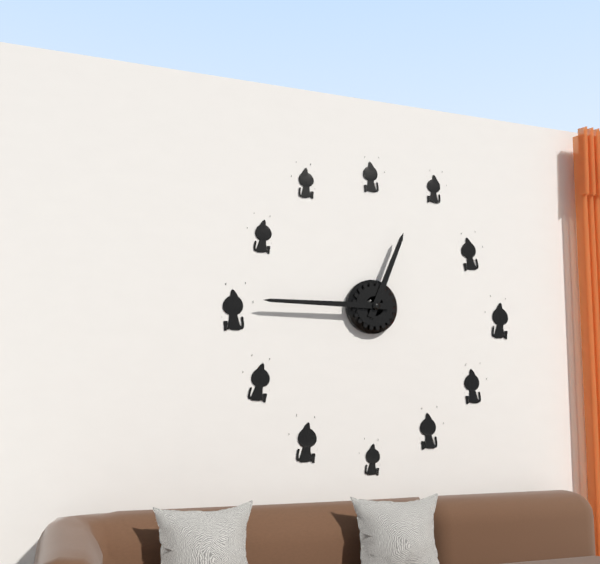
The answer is 12h45
